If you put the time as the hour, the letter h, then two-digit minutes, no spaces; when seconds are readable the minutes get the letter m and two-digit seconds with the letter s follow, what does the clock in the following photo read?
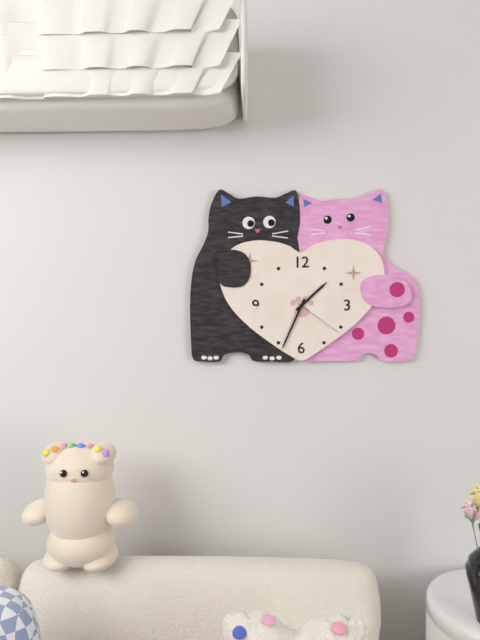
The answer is 1h34m21s
